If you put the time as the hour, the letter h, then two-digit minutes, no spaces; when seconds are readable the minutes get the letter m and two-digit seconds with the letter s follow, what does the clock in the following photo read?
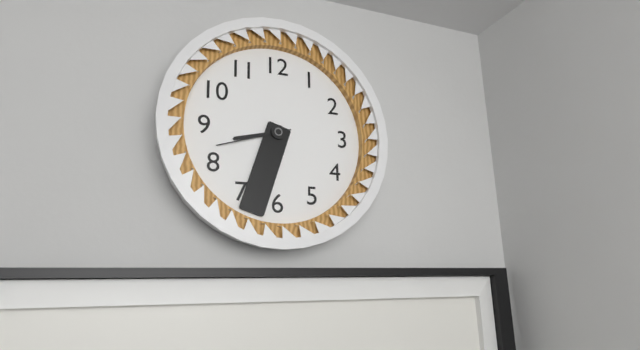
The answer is 8h33m42s
